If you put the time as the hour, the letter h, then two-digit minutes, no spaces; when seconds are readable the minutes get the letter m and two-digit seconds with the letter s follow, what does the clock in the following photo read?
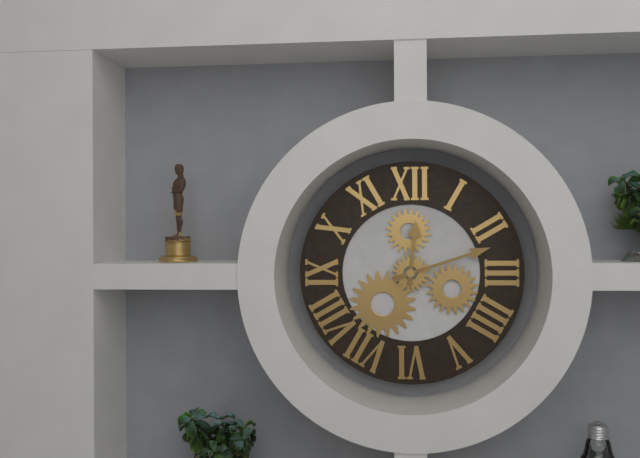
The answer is 12h12
